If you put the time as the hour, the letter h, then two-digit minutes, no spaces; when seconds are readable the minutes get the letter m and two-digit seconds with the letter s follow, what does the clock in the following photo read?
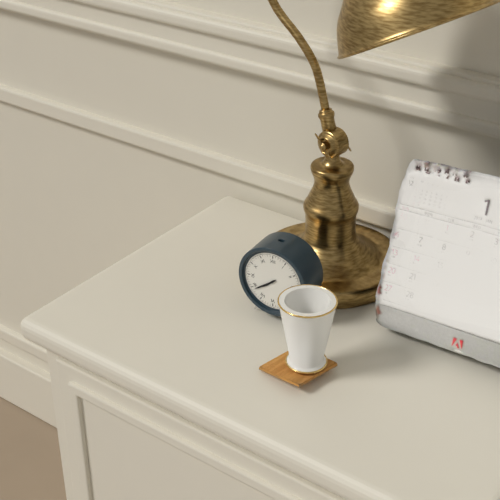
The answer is 7h39
